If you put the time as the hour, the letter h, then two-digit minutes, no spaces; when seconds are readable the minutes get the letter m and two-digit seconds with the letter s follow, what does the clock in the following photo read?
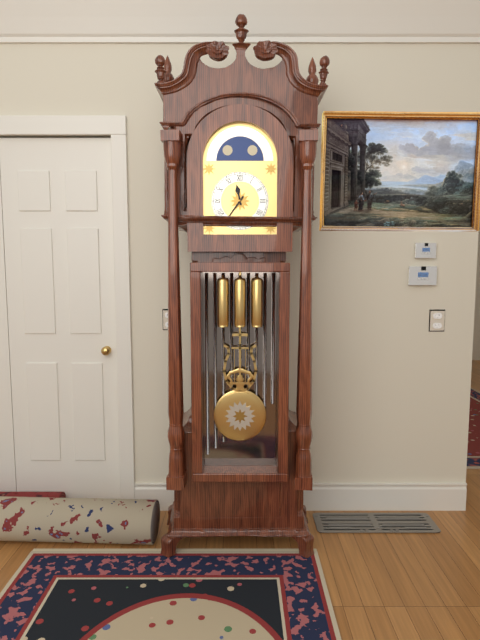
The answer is 11h36
